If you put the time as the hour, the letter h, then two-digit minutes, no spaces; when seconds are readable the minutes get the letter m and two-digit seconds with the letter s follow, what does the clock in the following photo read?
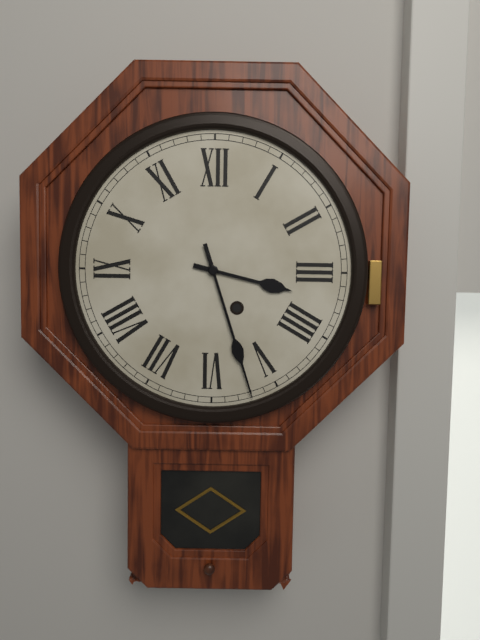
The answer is 3h27
